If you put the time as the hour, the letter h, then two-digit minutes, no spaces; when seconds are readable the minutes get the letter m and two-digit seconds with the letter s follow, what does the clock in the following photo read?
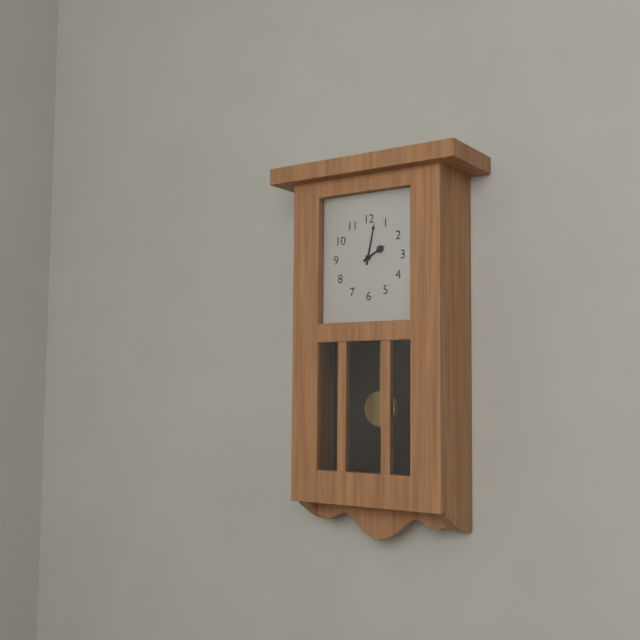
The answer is 2h02
